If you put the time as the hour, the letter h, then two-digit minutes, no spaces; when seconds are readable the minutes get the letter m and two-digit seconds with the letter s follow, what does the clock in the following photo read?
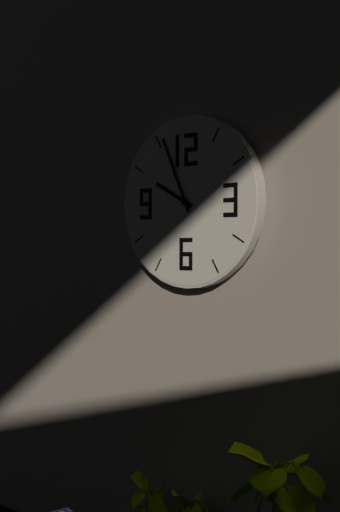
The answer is 9h56
